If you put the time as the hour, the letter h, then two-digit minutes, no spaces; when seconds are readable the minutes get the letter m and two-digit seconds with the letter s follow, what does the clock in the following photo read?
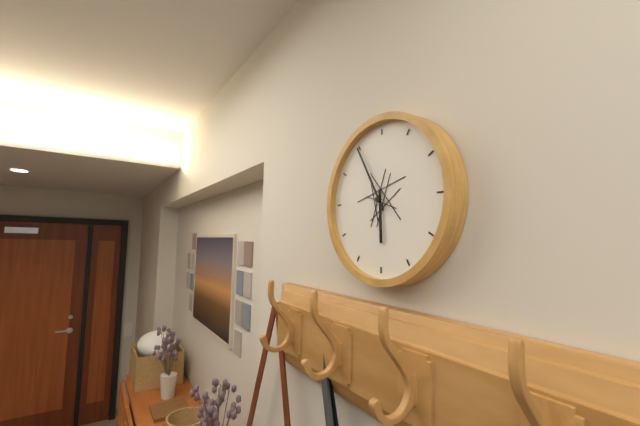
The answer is 5h55
